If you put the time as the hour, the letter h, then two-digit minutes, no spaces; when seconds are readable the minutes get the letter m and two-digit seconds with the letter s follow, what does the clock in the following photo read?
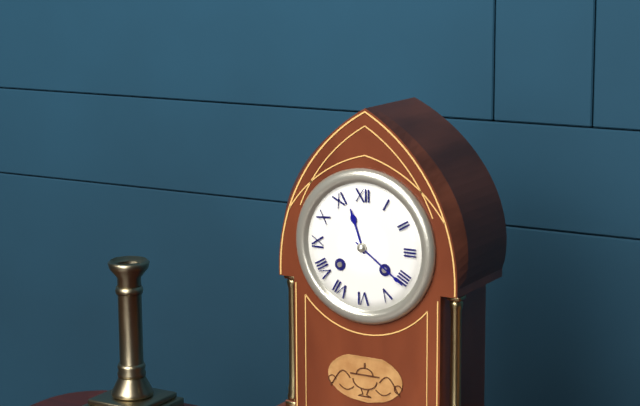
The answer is 11h21
